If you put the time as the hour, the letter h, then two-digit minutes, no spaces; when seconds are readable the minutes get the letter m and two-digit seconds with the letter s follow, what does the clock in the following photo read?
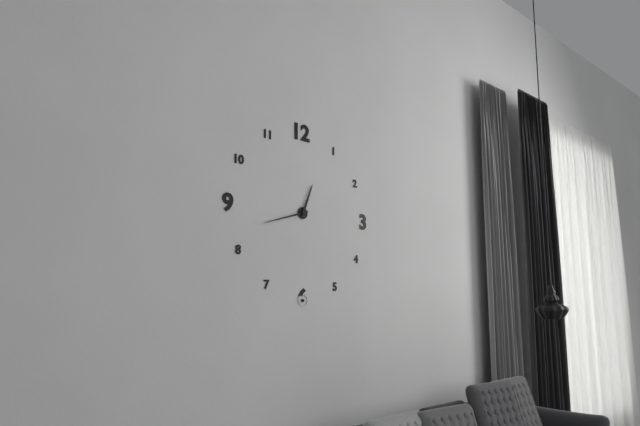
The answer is 12h42
